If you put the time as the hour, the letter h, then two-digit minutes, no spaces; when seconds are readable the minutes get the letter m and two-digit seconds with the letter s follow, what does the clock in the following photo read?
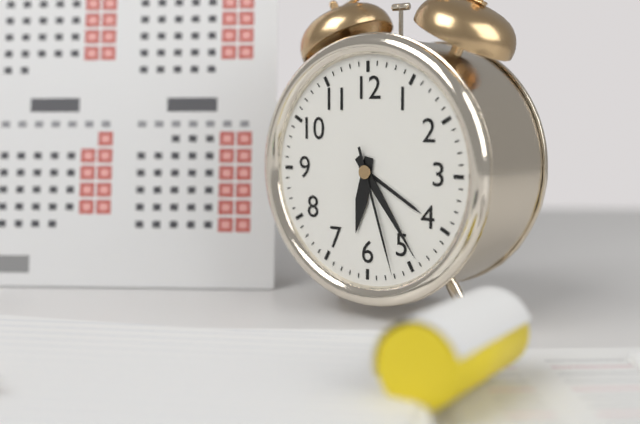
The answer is 6h24m27s
